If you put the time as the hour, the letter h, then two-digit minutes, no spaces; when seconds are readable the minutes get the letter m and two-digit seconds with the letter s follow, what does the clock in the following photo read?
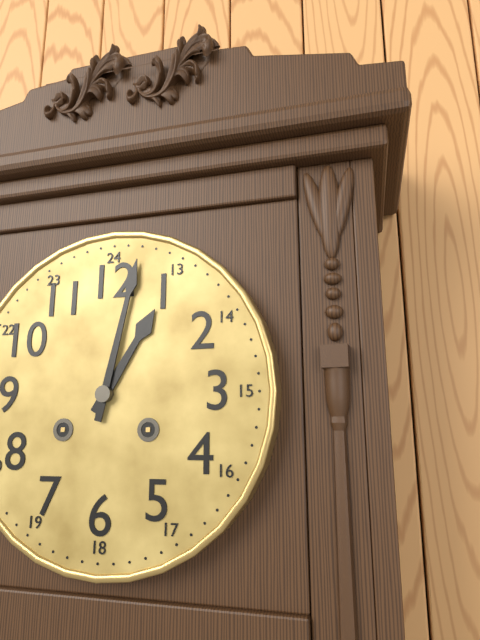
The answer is 1h02
